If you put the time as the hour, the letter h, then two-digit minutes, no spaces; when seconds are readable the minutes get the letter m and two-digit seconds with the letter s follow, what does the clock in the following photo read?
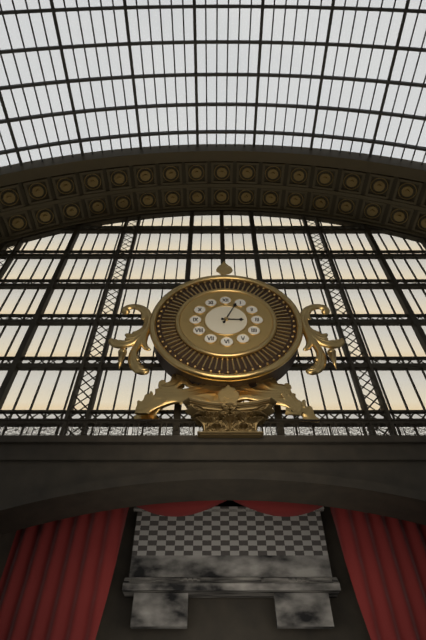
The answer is 3h04
